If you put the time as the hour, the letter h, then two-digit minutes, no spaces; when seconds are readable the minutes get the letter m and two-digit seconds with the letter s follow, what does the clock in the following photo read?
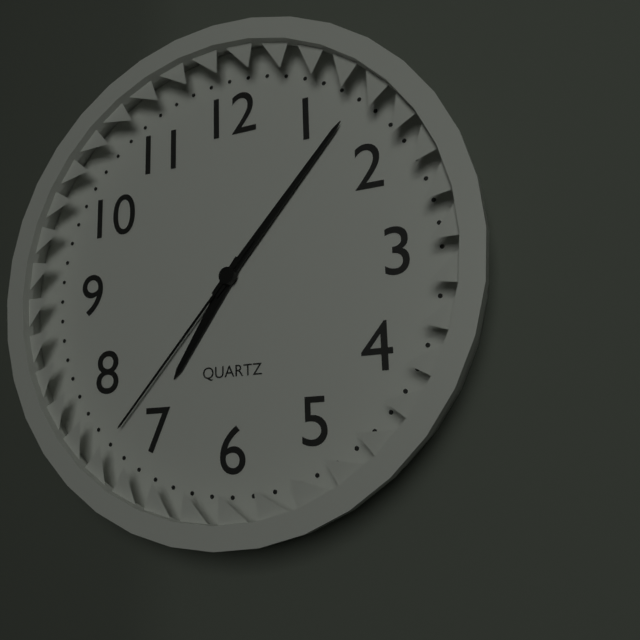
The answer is 7h07m37s
